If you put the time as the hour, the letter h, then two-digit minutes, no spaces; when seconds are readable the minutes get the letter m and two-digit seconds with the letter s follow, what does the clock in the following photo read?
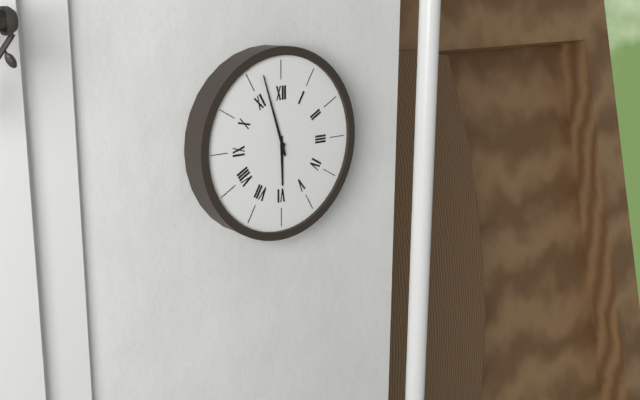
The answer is 5h57
